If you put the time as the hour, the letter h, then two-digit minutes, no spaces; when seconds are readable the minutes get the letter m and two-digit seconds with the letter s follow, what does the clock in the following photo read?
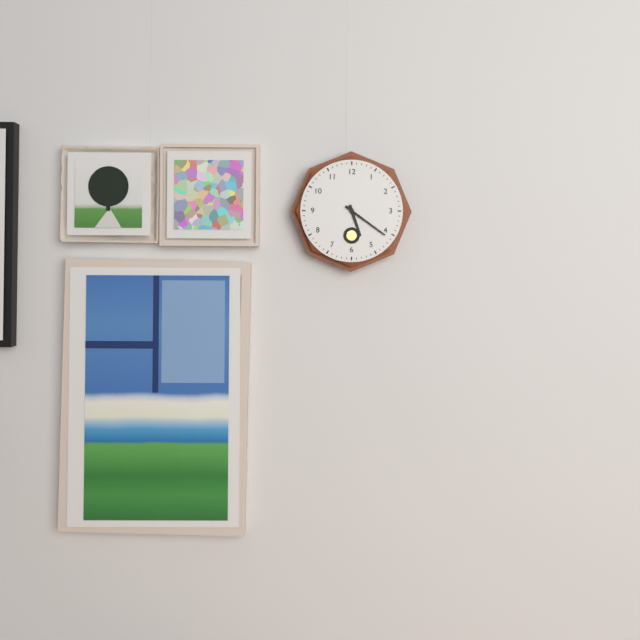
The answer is 5h21
